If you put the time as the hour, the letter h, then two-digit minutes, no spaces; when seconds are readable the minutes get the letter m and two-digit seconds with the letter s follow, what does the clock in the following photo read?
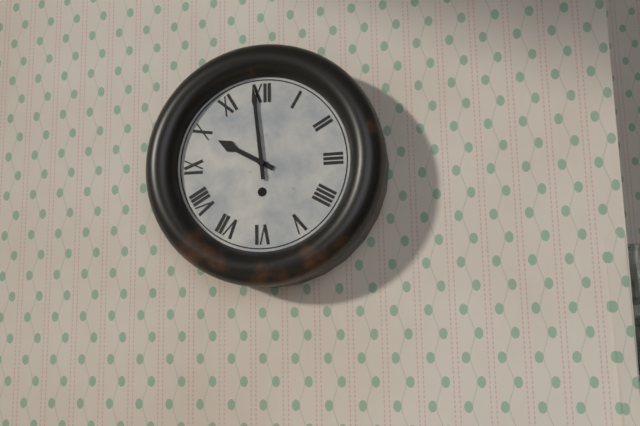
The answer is 9h59
